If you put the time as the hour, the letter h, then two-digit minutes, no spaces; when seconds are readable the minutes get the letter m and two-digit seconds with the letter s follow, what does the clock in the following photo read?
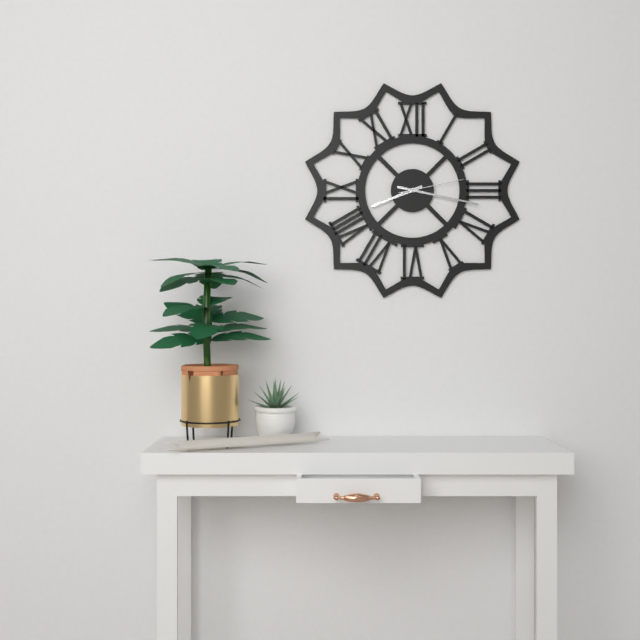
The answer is 8h17m13s
